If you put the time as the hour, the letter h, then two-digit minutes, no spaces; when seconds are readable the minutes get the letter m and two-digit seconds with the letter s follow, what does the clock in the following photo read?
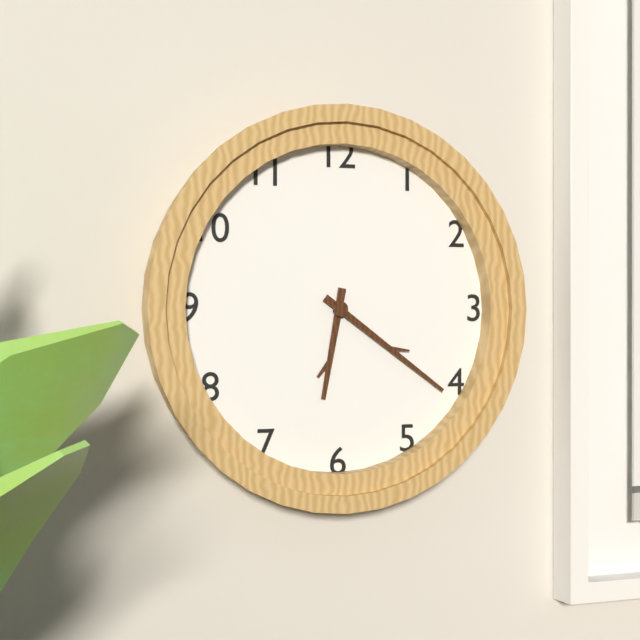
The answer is 6h21
